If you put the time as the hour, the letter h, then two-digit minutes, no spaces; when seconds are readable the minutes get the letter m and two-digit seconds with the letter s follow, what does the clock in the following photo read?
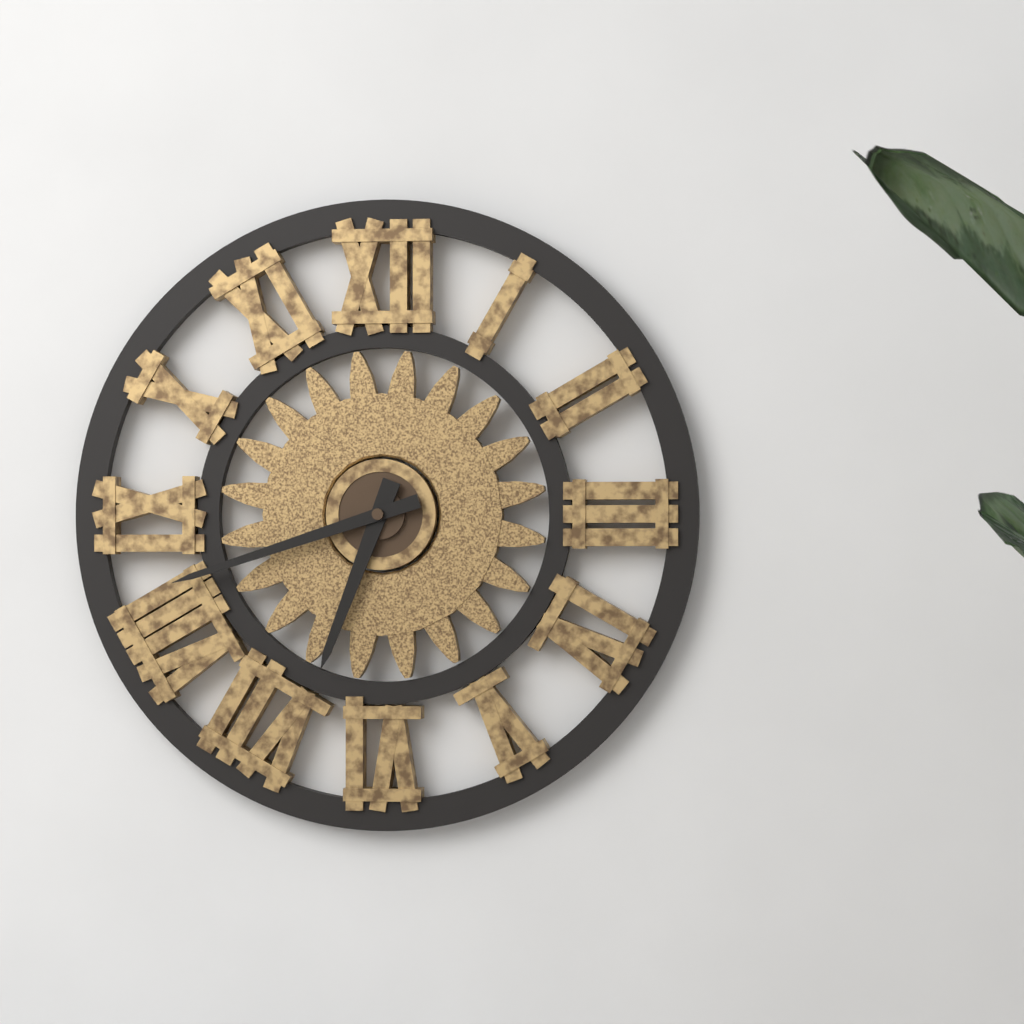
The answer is 6h42
